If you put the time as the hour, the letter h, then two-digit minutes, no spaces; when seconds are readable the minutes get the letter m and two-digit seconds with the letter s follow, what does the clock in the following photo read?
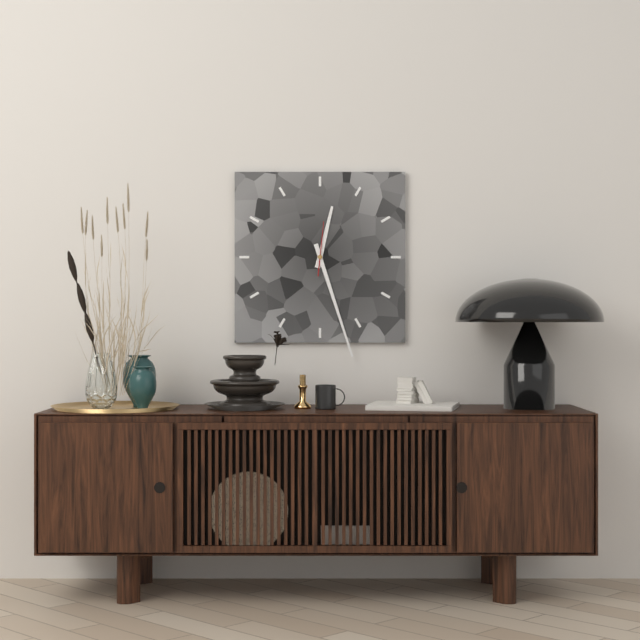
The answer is 12h27
